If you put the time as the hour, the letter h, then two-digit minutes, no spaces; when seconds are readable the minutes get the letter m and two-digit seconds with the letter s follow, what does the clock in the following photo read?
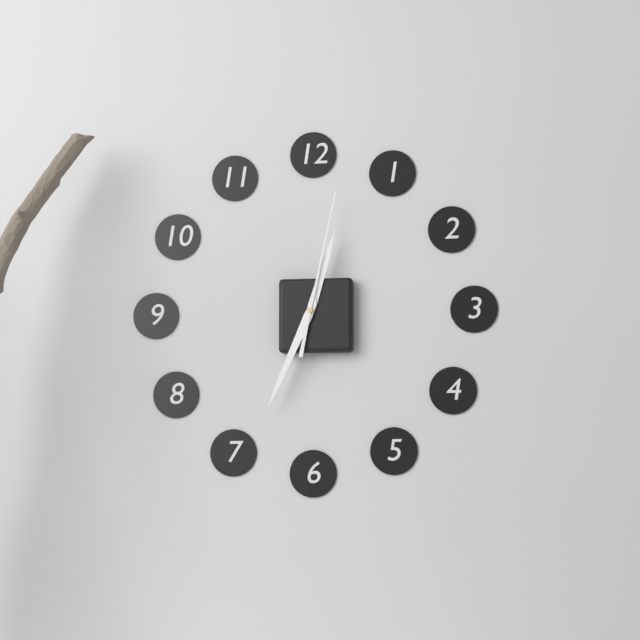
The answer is 12h34m02s
